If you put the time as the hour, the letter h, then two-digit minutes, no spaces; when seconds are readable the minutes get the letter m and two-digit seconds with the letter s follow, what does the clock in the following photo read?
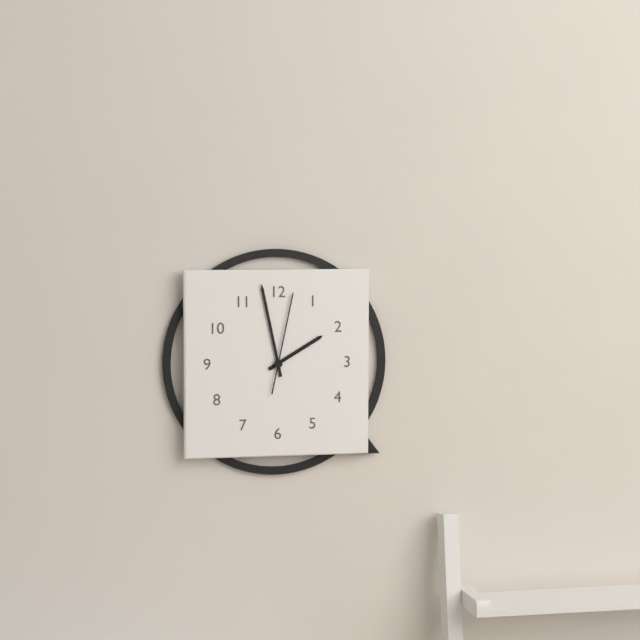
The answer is 1h58m02s
